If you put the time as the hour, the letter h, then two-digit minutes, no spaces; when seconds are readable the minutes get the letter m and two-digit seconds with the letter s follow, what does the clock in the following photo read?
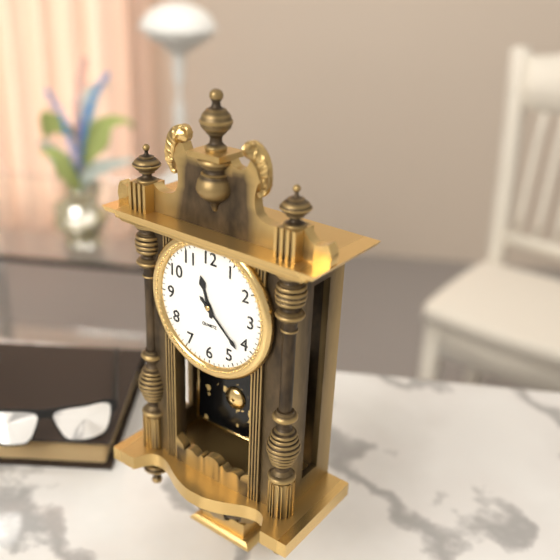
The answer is 11h22
